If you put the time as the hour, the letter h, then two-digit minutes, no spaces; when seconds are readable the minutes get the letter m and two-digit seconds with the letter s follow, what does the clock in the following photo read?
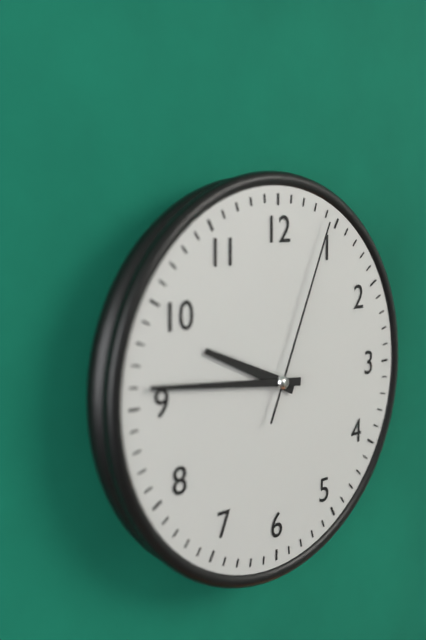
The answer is 9h46m04s
